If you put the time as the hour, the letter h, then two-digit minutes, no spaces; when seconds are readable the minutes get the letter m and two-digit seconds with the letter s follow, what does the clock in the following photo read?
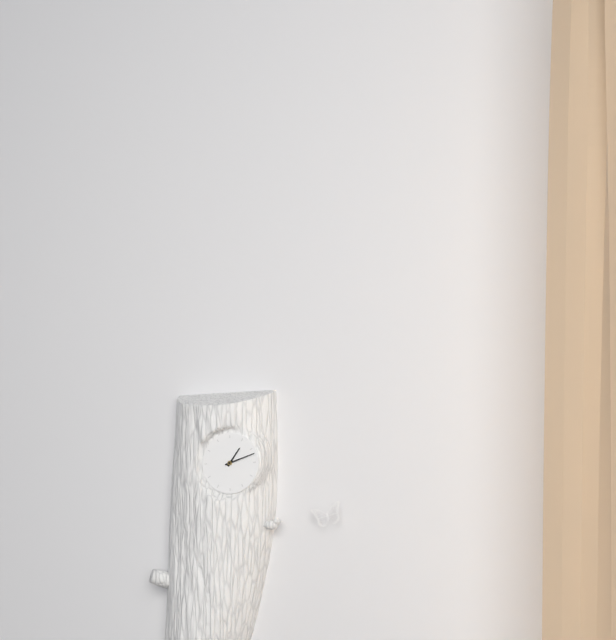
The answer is 1h12
